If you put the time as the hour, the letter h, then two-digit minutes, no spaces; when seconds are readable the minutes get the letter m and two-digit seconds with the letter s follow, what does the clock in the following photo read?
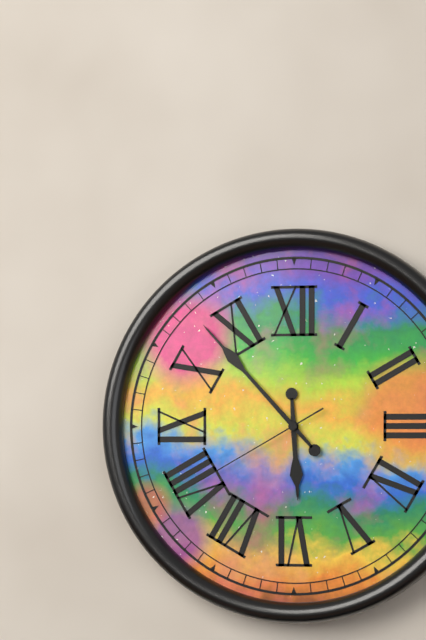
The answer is 5h53m40s
